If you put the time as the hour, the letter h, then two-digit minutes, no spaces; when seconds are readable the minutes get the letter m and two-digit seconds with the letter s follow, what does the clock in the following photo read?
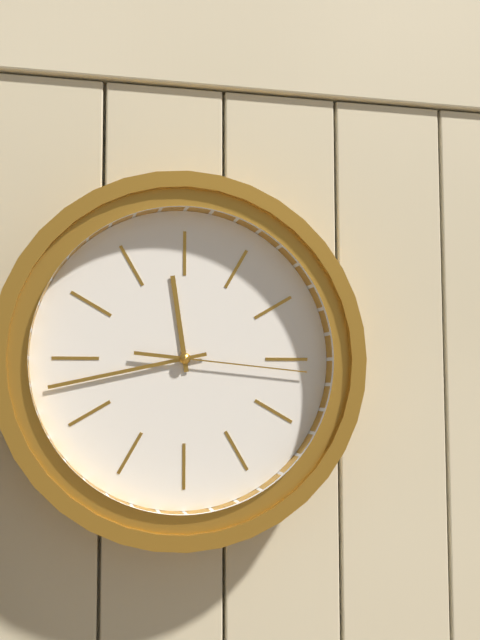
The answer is 11h43m16s
